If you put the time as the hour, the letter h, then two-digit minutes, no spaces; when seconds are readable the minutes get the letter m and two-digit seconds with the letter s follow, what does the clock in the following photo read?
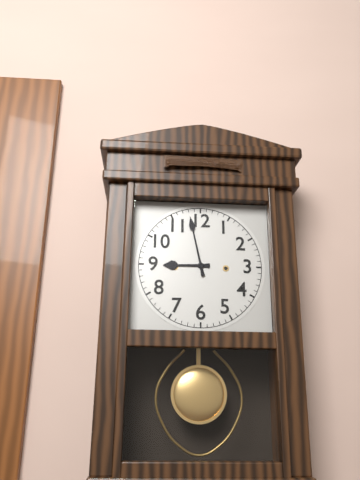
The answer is 8h58
